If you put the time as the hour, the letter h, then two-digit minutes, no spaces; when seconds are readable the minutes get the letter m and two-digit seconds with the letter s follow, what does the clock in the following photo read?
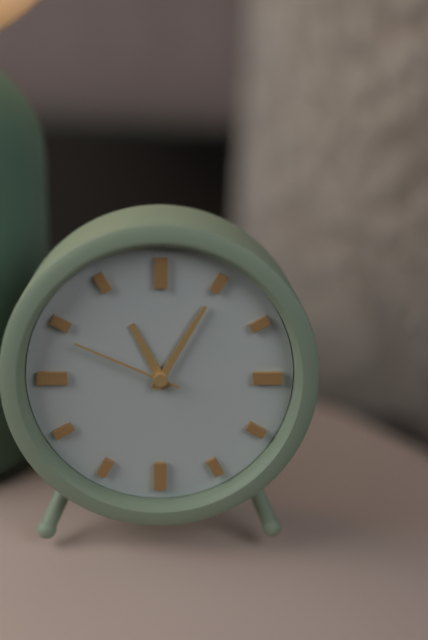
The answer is 11h05m49s
